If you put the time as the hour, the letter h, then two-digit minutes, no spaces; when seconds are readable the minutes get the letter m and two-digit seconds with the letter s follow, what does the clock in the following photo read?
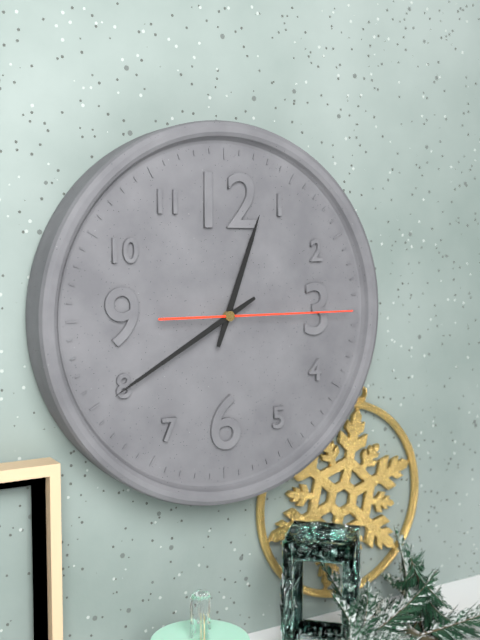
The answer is 12h40m15s
